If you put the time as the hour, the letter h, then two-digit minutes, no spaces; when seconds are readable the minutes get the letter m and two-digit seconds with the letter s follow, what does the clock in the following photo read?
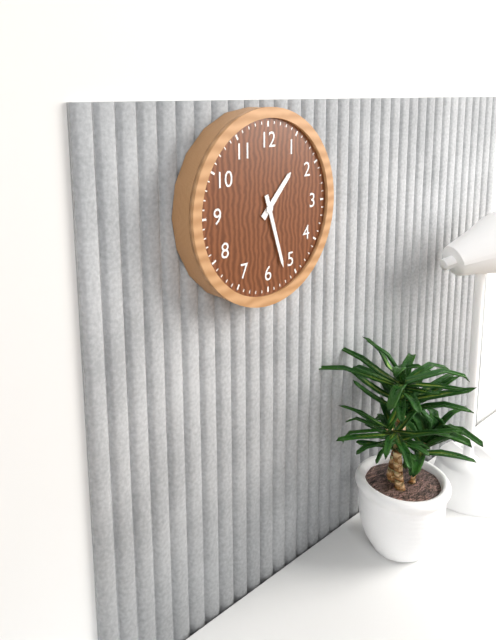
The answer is 1h27
